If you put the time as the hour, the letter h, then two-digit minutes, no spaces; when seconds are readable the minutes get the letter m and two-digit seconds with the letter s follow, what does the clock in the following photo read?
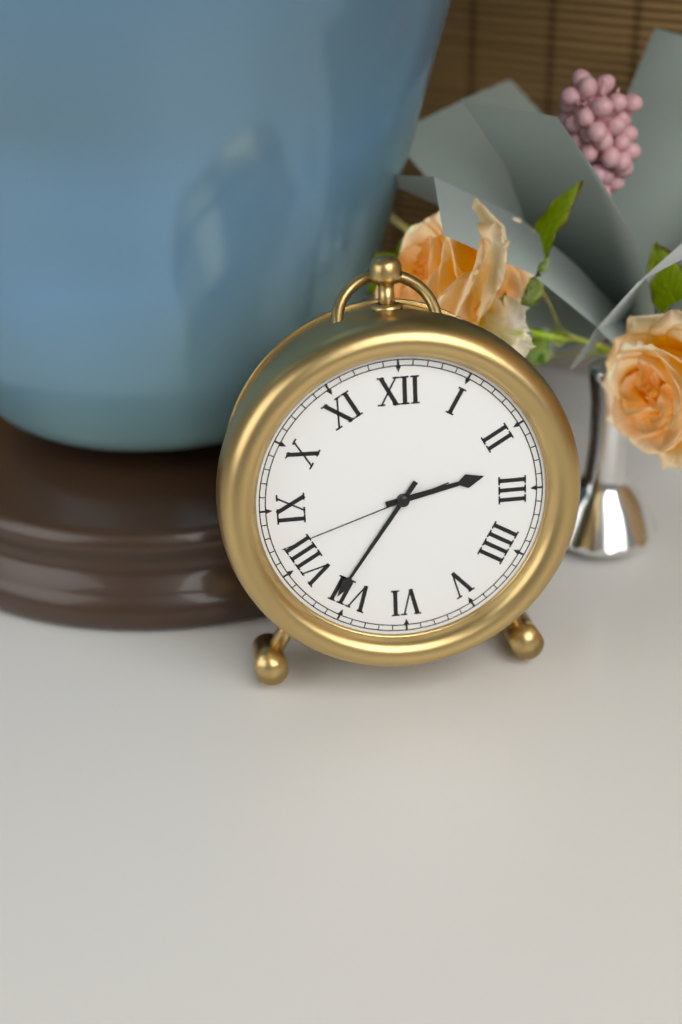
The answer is 2h36m42s
